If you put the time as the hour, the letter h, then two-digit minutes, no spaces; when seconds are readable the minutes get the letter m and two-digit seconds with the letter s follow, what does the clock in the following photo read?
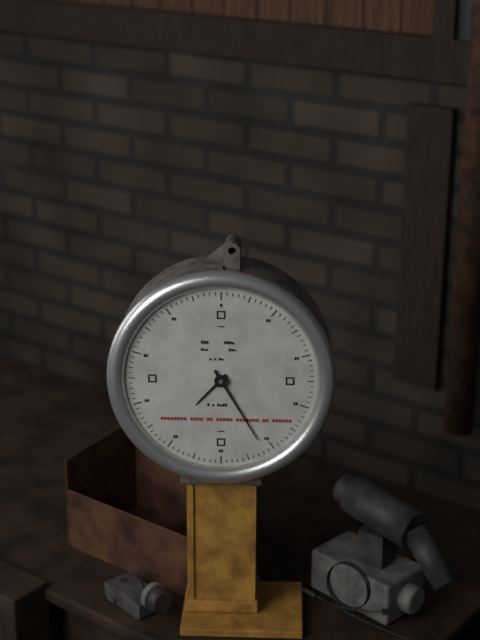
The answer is 7h25
